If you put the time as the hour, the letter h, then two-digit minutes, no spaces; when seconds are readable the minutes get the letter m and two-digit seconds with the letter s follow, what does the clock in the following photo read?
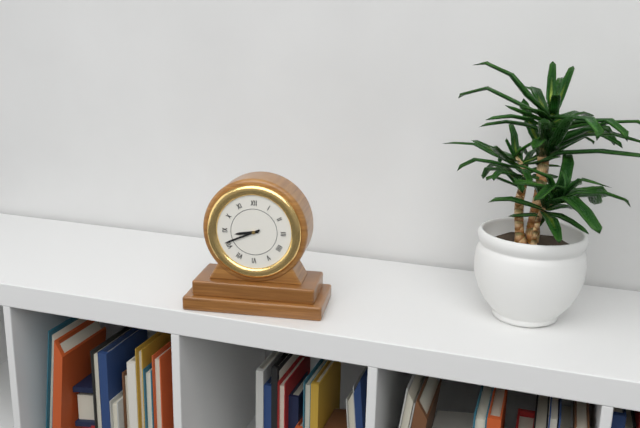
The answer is 8h41
